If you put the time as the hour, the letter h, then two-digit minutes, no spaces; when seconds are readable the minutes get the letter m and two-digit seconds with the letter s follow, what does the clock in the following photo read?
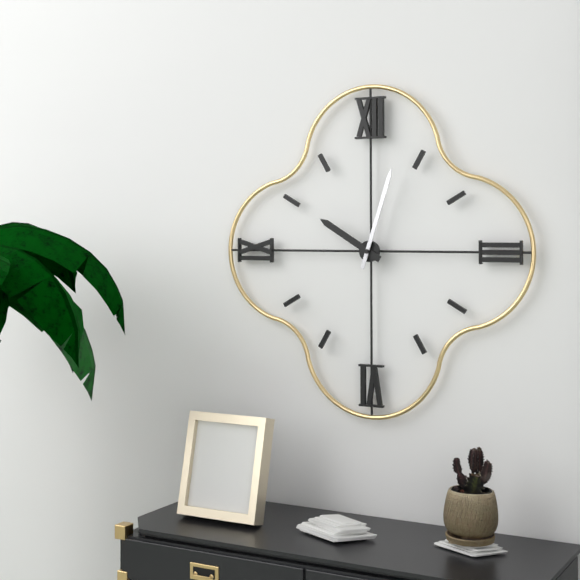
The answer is 10h03
